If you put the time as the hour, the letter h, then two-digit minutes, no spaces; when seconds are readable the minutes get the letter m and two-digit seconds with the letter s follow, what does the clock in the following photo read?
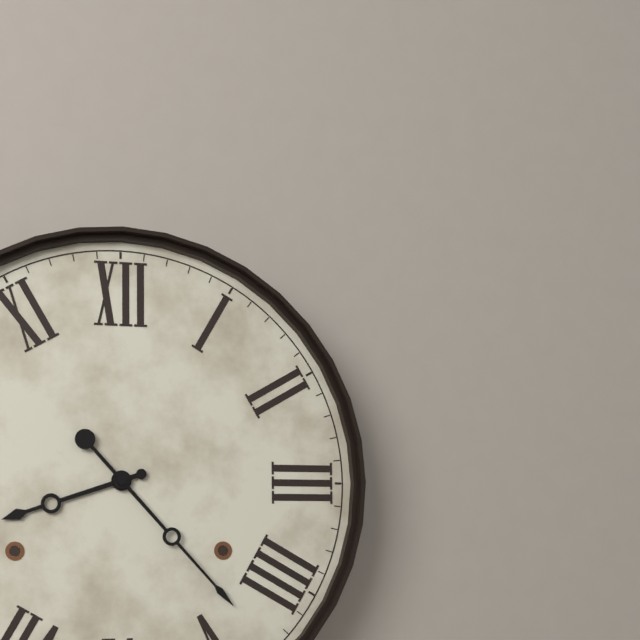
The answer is 8h23
